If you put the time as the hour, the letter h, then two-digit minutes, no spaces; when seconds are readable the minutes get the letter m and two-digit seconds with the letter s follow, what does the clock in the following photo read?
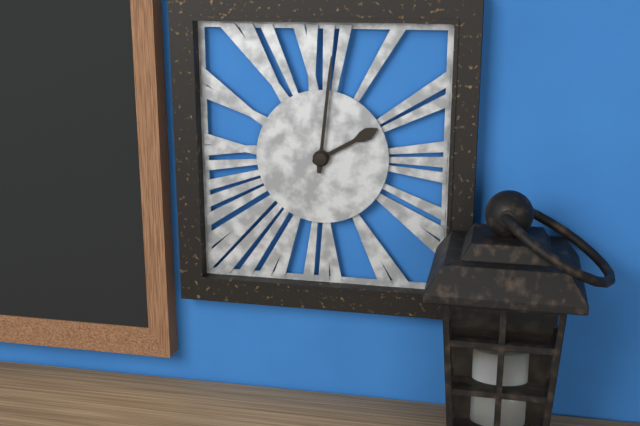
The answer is 2h01
